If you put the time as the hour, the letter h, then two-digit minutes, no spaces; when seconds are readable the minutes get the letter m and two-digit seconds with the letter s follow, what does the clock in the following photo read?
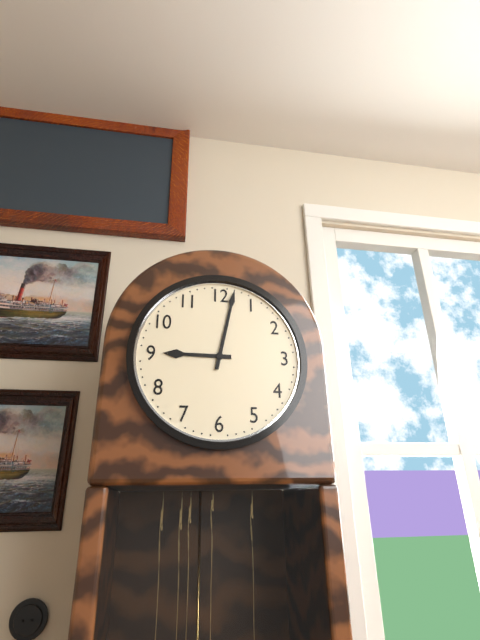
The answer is 9h02
